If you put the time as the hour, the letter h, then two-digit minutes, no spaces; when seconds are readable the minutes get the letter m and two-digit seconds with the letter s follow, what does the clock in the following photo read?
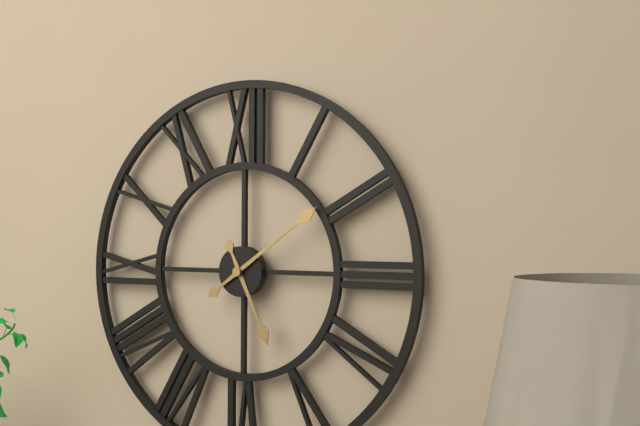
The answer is 5h09
